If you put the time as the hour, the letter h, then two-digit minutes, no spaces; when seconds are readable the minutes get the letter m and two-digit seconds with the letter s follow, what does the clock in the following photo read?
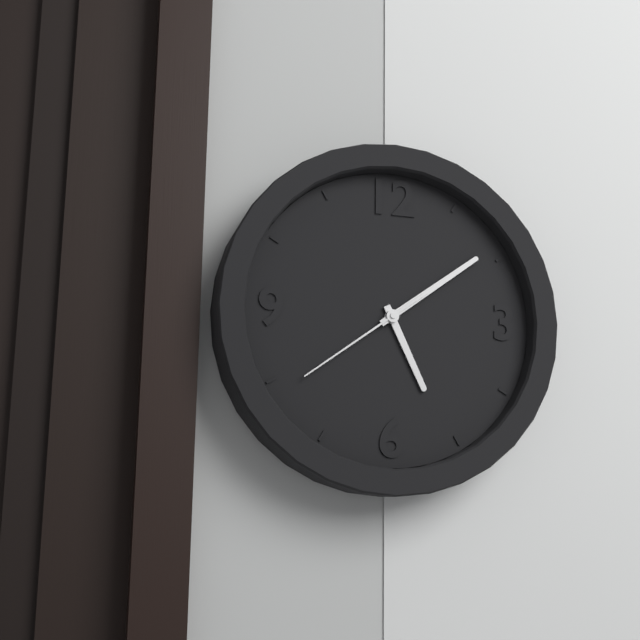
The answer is 5h09m39s
